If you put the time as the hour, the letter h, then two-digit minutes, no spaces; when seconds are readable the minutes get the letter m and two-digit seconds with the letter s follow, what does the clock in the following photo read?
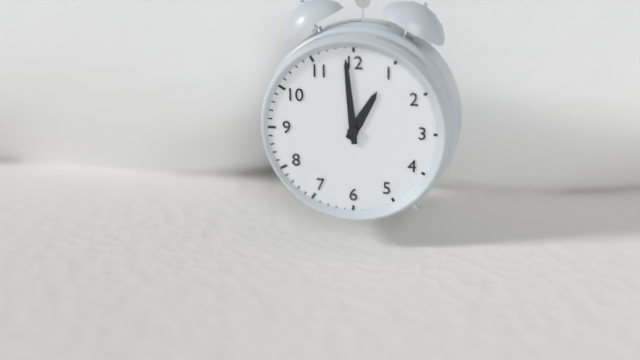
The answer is 12h59
